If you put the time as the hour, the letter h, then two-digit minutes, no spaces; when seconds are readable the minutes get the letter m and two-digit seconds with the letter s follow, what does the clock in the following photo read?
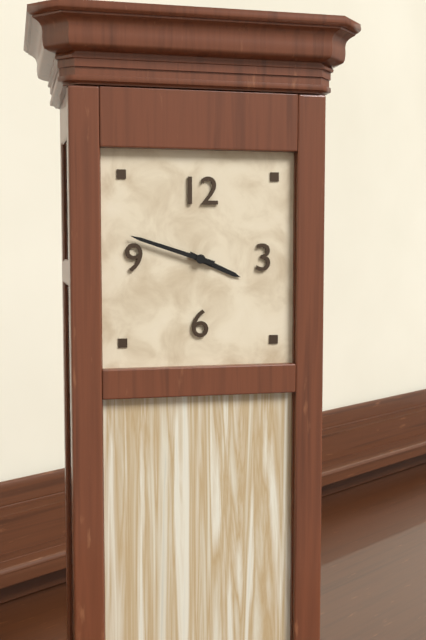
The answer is 3h48
